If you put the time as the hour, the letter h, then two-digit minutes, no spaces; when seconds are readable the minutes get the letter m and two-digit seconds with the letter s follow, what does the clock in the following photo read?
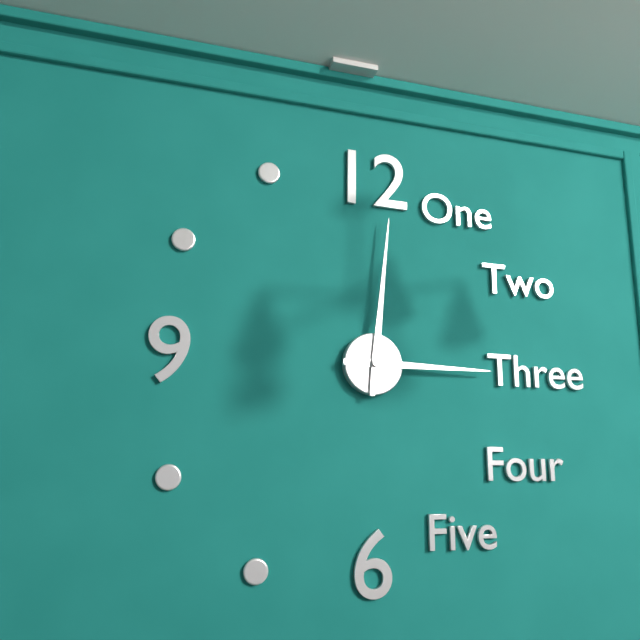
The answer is 3h01
